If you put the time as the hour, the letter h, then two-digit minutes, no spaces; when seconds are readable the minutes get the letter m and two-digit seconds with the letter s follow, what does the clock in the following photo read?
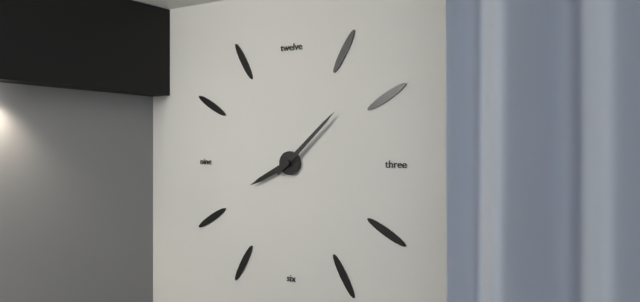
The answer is 8h08
